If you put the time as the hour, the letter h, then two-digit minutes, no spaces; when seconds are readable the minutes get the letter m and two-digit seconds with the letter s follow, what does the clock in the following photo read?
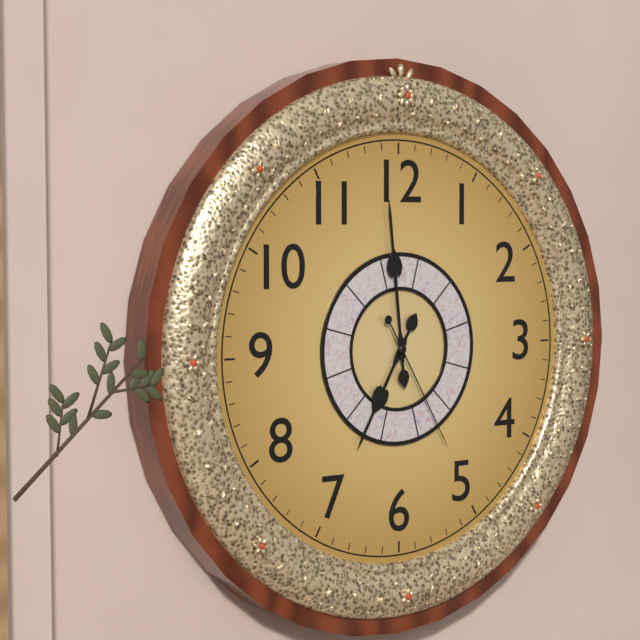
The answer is 6h59m25s
